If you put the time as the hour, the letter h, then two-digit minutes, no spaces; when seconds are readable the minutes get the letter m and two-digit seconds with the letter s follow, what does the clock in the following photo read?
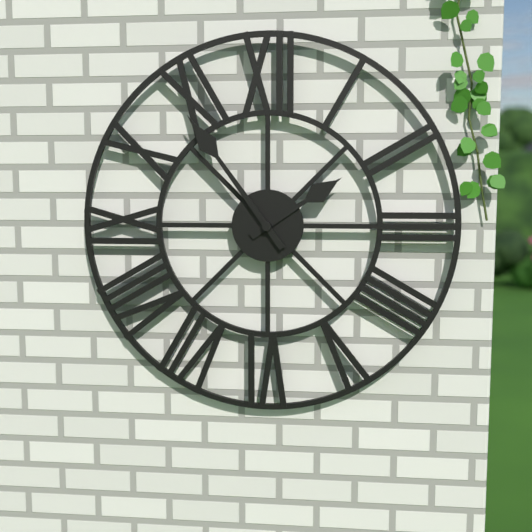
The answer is 1h54
